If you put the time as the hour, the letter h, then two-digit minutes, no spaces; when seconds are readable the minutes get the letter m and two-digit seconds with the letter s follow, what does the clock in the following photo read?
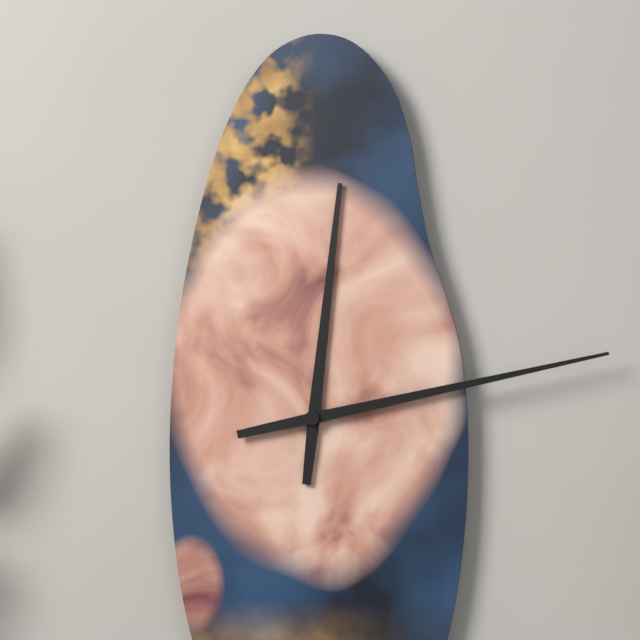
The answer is 12h13
